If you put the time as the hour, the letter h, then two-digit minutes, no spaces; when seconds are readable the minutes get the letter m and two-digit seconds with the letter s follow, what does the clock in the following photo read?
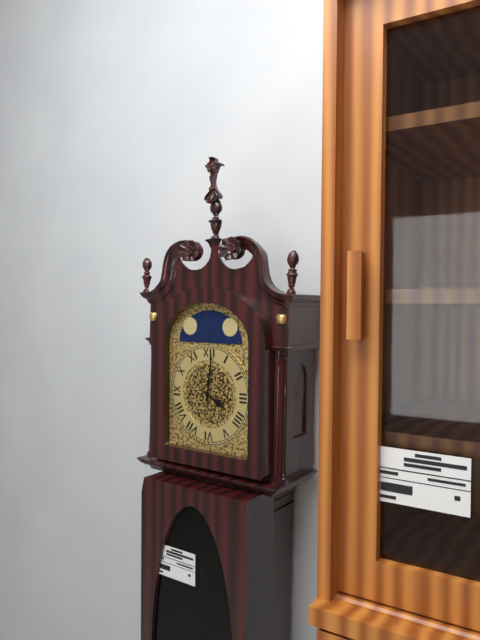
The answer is 4h01
